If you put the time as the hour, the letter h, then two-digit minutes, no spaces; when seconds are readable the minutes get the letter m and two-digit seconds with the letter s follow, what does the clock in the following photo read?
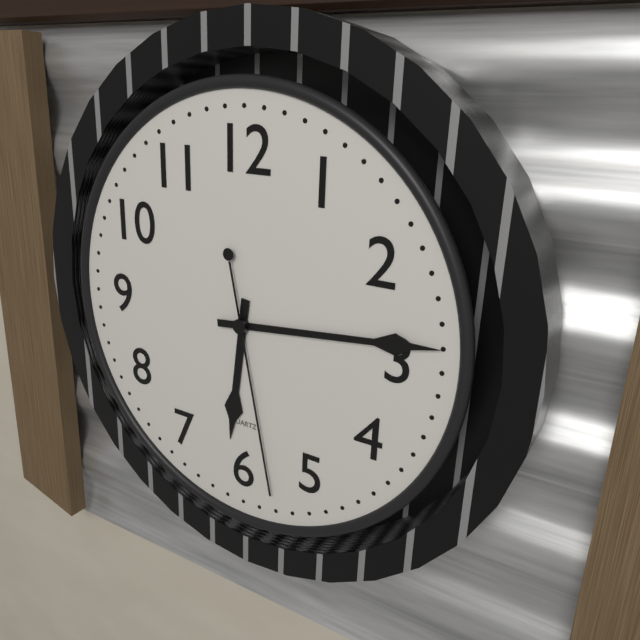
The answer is 6h14m28s
